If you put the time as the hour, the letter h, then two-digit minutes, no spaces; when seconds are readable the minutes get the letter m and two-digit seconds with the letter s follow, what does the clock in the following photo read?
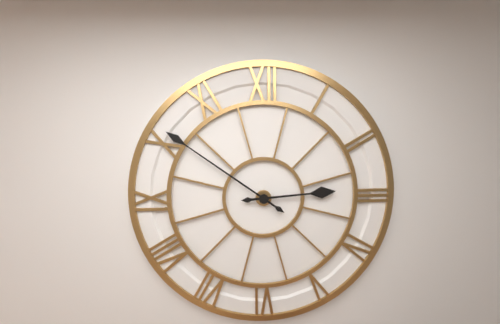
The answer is 2h51
